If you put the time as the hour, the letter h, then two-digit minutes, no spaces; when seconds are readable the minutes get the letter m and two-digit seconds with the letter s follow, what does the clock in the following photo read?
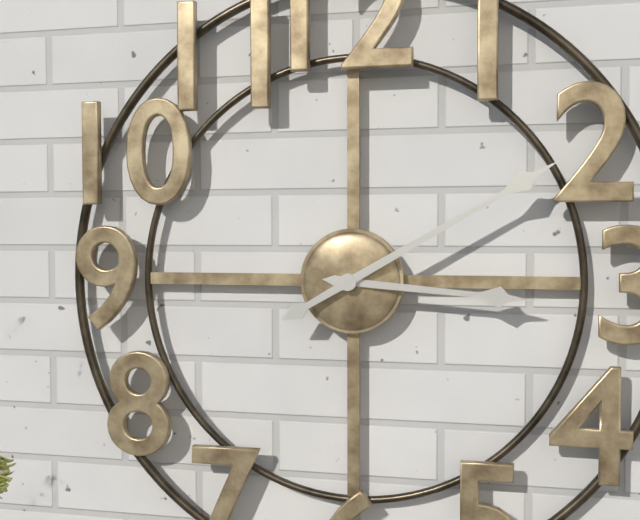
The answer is 3h10
